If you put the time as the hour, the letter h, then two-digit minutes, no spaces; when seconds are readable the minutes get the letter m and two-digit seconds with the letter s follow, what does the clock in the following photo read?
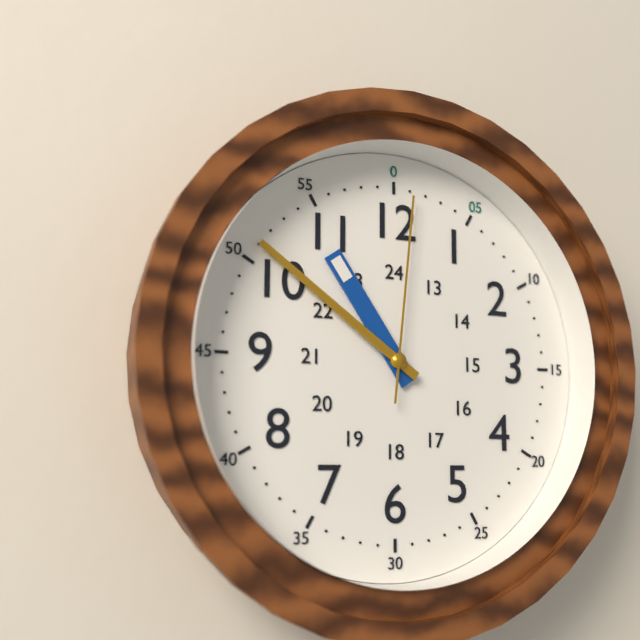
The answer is 10h51m01s
